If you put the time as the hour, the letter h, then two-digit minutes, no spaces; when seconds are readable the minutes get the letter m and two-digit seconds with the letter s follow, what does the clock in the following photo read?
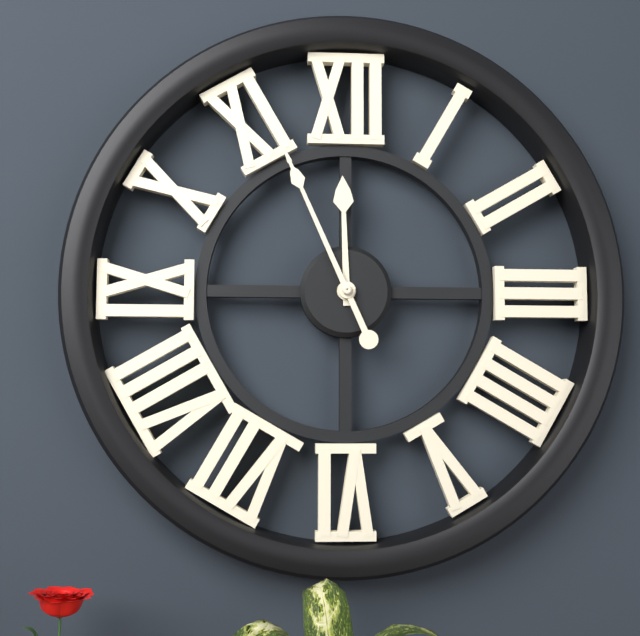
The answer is 11h56
